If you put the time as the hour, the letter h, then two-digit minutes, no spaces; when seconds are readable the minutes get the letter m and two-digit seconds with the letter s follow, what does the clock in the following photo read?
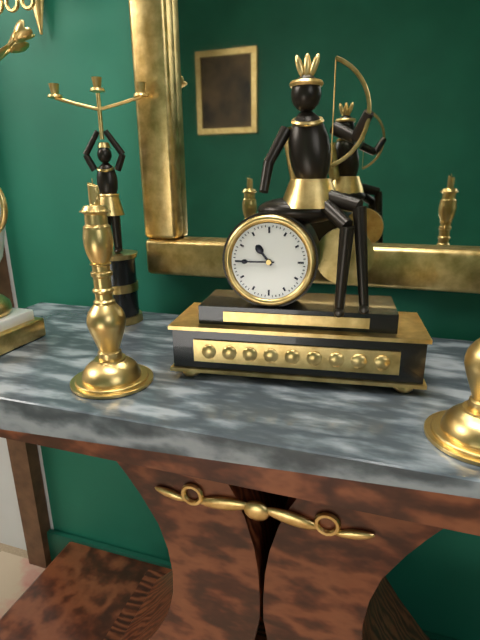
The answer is 10h45
